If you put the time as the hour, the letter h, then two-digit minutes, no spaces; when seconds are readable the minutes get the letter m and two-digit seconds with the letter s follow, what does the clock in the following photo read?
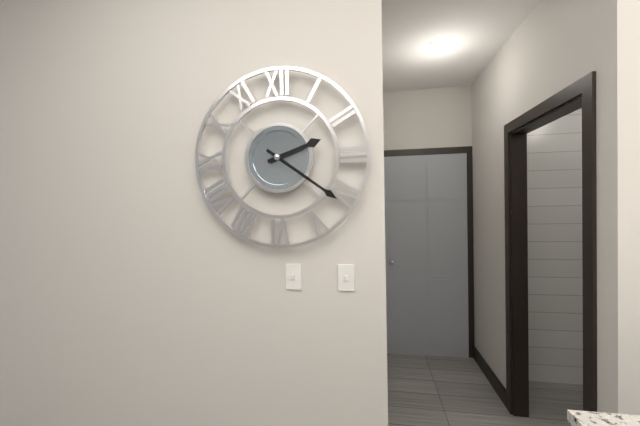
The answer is 2h21
